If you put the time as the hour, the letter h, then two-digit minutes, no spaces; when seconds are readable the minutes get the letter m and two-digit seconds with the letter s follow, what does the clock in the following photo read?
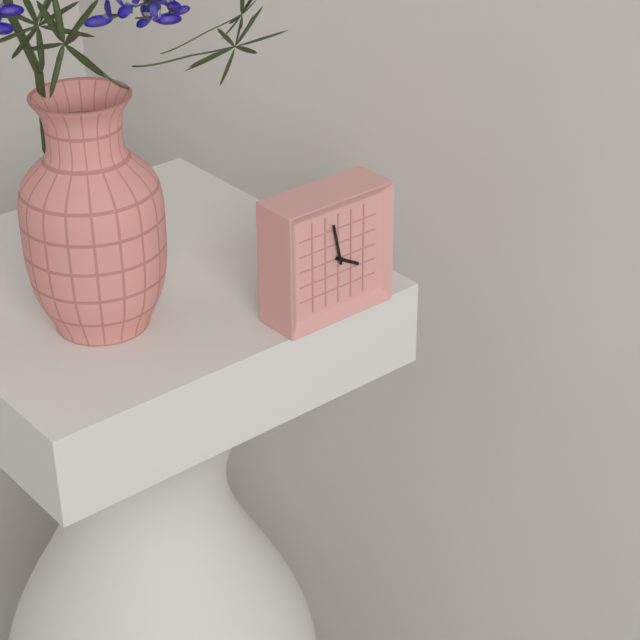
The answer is 3h58
